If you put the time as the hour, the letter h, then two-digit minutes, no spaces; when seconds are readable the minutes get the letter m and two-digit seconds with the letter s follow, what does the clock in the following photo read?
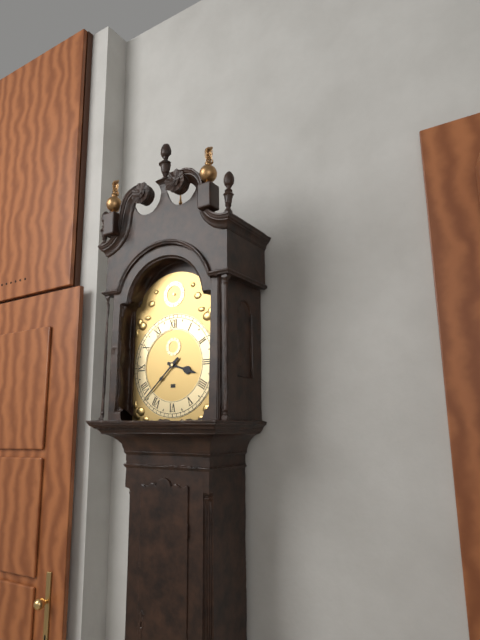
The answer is 3h38
